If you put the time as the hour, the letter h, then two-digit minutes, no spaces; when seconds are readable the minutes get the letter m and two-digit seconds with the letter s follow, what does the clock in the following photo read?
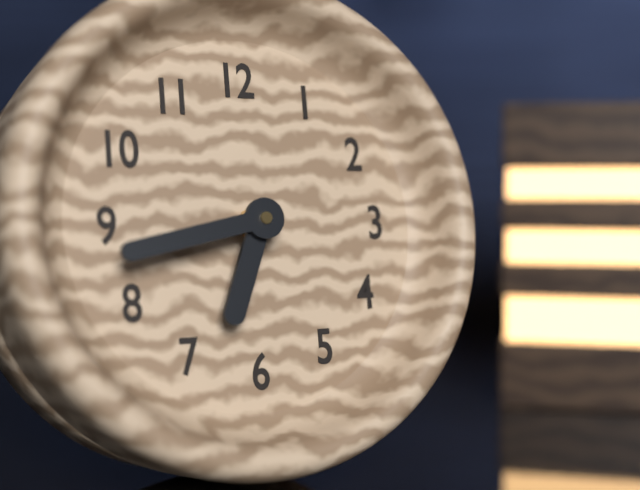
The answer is 6h43
